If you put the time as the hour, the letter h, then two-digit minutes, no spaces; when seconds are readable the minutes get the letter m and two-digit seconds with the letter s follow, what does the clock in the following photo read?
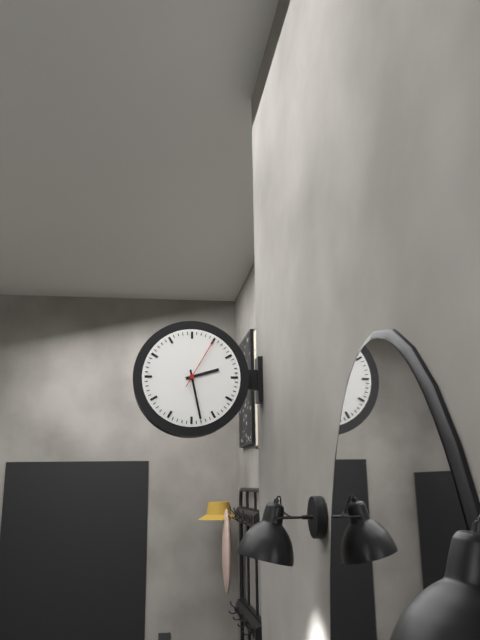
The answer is 2h28m05s
